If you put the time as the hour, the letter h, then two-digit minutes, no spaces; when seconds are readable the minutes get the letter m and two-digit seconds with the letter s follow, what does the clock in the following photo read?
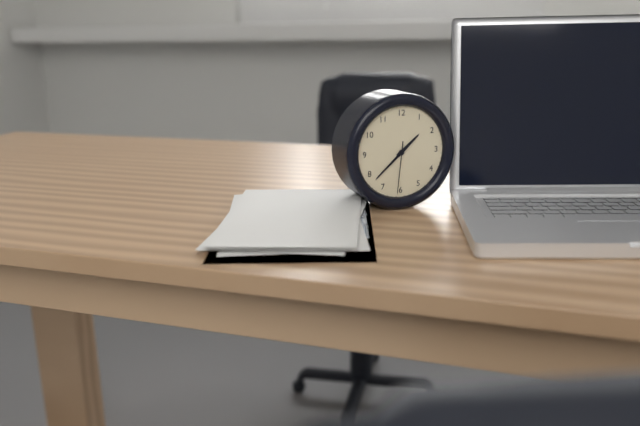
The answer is 1h38m31s
